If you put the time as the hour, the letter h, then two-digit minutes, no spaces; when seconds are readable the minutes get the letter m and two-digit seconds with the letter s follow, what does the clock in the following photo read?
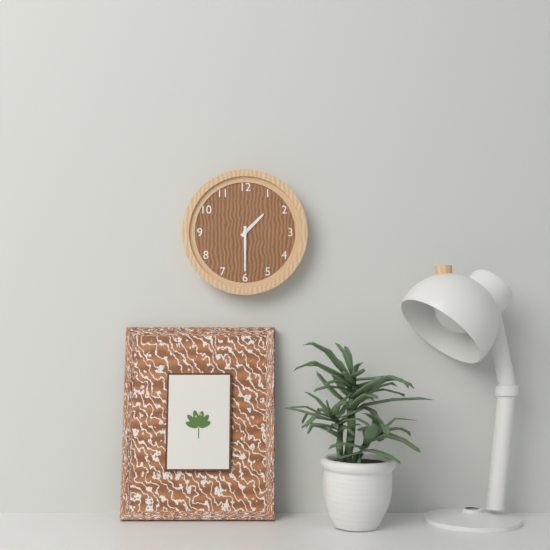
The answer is 1h30
